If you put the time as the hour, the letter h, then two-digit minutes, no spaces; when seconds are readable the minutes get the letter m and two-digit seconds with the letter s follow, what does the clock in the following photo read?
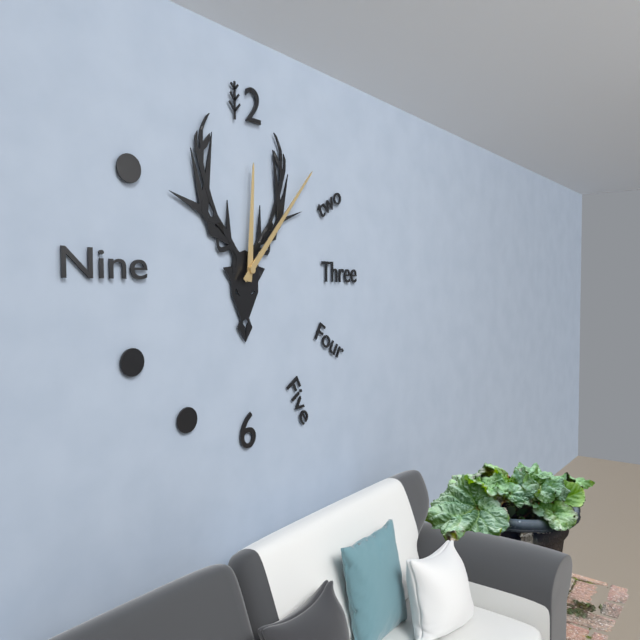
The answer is 12h07
